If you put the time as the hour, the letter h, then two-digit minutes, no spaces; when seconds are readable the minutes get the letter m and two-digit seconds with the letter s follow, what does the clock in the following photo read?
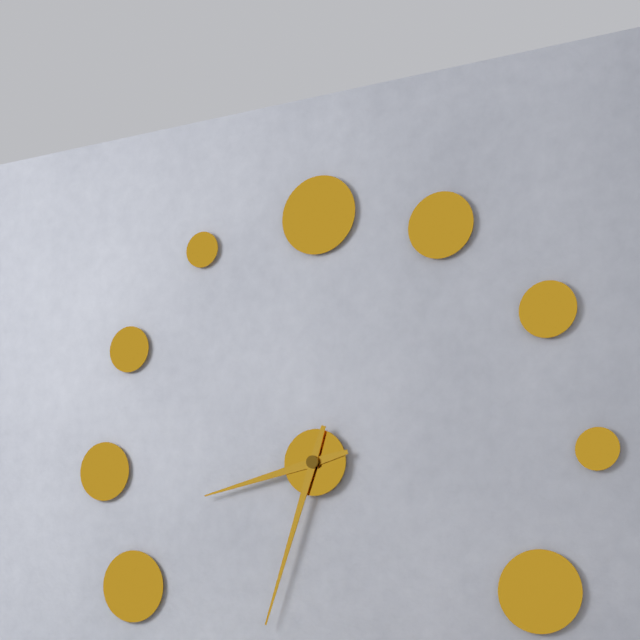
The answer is 8h33
